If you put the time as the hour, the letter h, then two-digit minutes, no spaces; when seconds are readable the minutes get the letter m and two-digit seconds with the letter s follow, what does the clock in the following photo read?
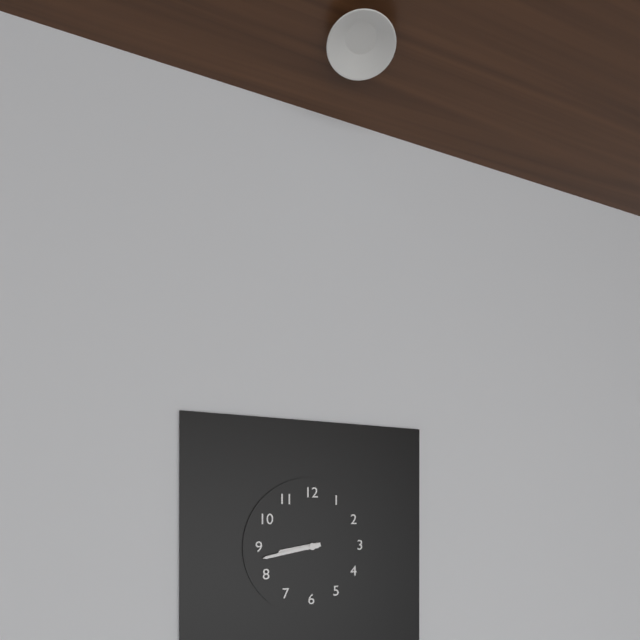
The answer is 8h43
